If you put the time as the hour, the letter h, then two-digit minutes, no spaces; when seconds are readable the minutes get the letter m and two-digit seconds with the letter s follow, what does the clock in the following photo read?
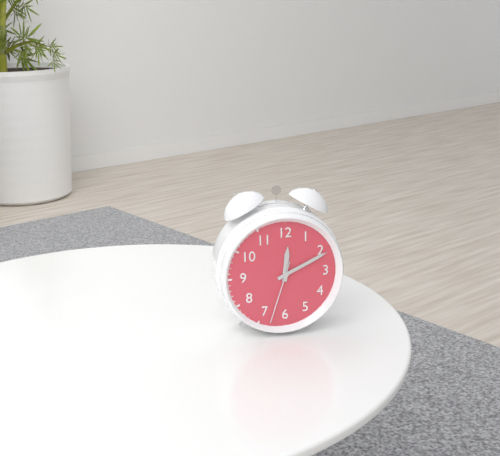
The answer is 12h11m33s
